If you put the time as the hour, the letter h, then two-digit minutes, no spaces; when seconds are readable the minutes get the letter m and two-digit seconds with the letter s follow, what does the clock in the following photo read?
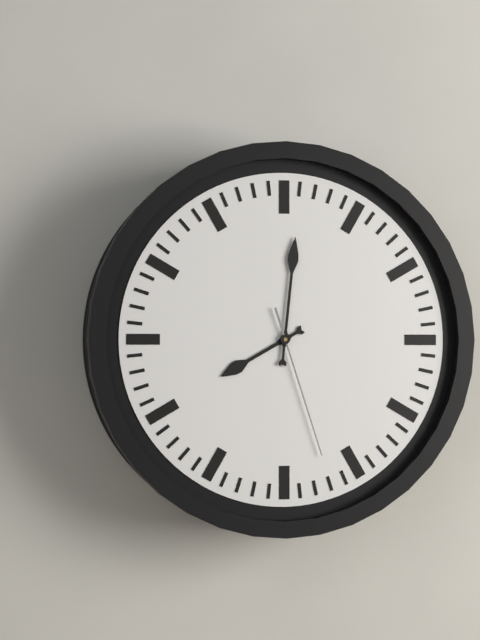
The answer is 8h01m27s
